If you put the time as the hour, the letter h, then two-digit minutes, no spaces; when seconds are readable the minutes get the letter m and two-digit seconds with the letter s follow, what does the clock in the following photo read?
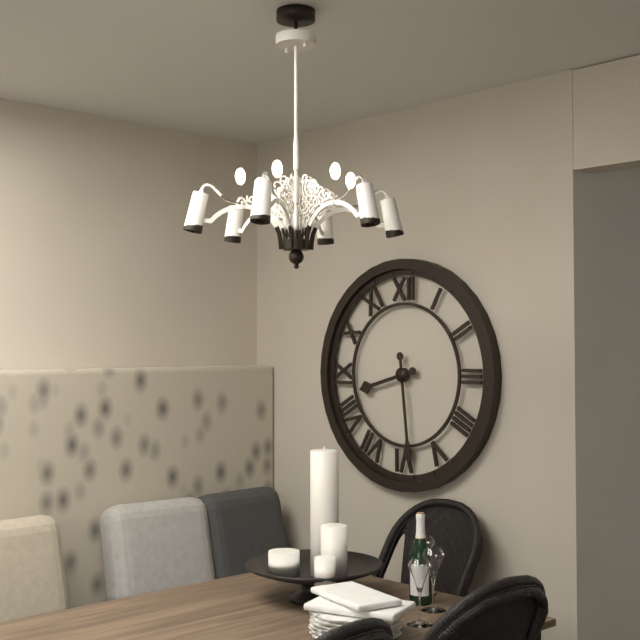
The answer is 8h29
